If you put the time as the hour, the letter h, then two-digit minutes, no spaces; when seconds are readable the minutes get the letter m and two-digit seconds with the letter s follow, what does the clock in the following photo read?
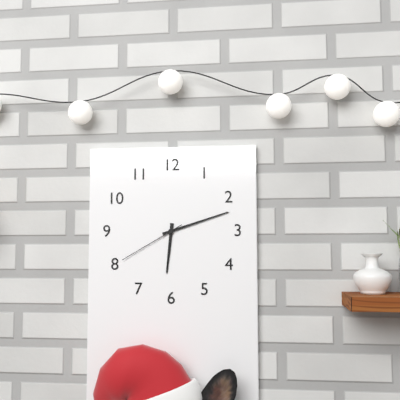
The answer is 6h12m40s
